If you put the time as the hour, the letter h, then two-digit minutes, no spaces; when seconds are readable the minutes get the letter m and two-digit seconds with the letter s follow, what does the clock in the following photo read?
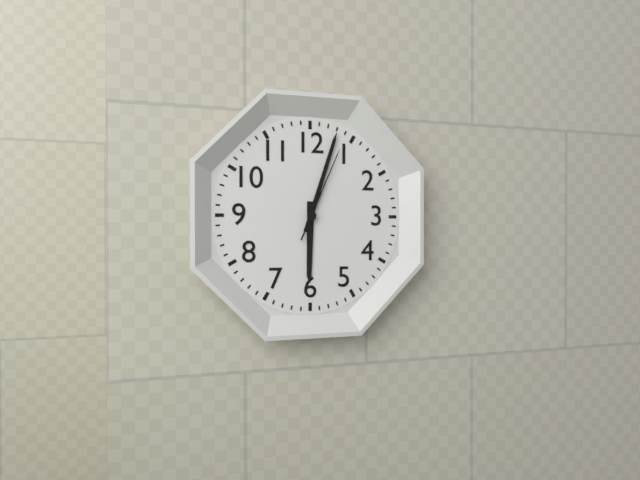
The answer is 6h03m04s
